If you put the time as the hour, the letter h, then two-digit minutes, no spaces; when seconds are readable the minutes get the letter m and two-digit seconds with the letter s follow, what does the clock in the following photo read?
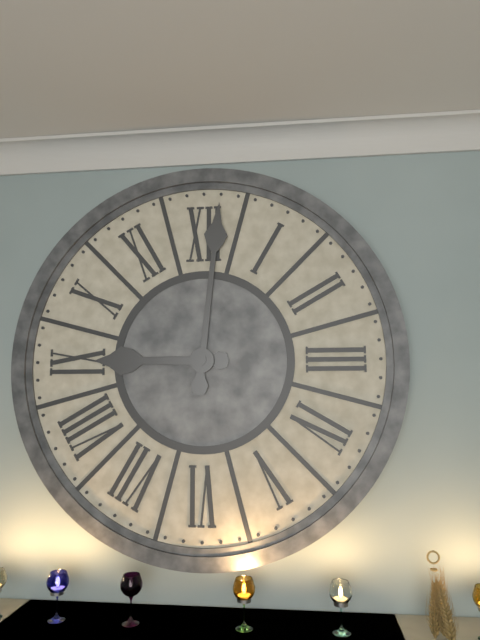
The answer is 9h01
